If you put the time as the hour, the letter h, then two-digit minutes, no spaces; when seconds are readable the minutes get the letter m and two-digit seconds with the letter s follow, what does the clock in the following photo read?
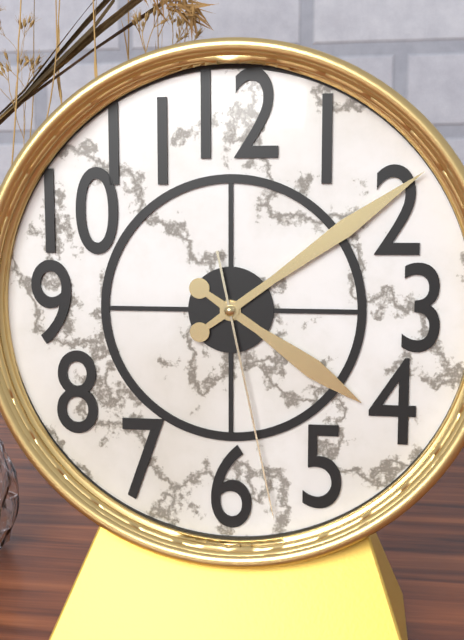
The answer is 4h09m28s
